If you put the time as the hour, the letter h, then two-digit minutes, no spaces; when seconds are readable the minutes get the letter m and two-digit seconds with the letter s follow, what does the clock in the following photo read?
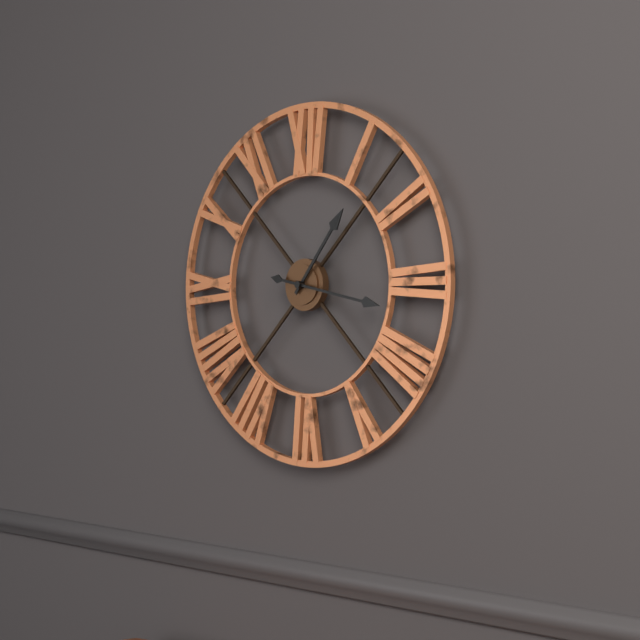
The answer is 1h17
